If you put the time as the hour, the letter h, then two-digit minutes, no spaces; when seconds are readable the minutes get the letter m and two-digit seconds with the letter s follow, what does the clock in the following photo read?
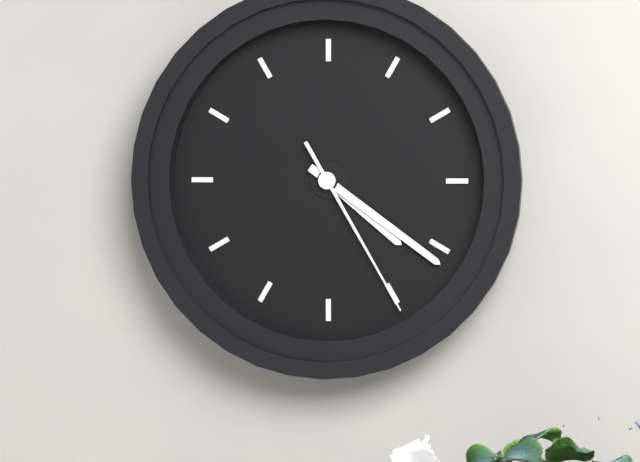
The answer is 4h21m25s
